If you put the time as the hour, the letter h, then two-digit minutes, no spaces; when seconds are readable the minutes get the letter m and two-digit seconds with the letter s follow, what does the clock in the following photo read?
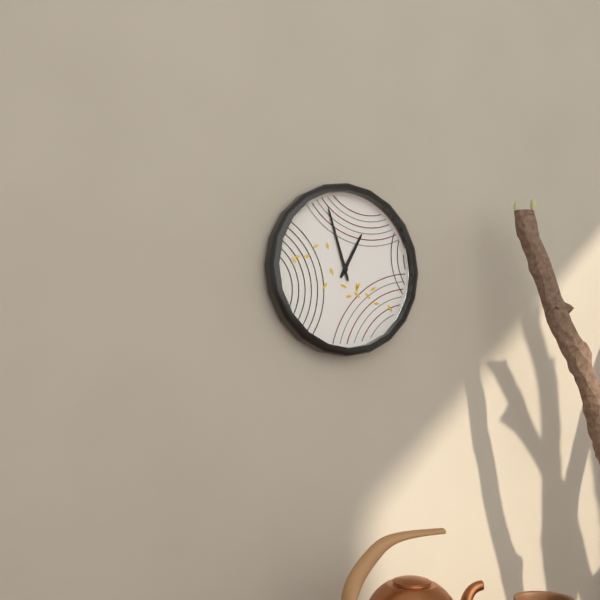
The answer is 12h57
